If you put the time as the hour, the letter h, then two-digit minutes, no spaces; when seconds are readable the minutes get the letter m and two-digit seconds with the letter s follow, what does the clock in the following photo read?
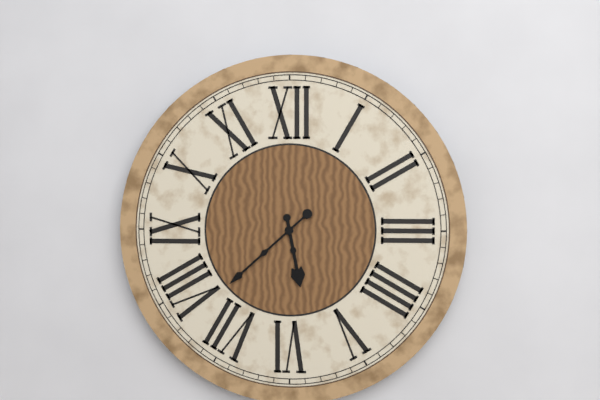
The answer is 5h38
